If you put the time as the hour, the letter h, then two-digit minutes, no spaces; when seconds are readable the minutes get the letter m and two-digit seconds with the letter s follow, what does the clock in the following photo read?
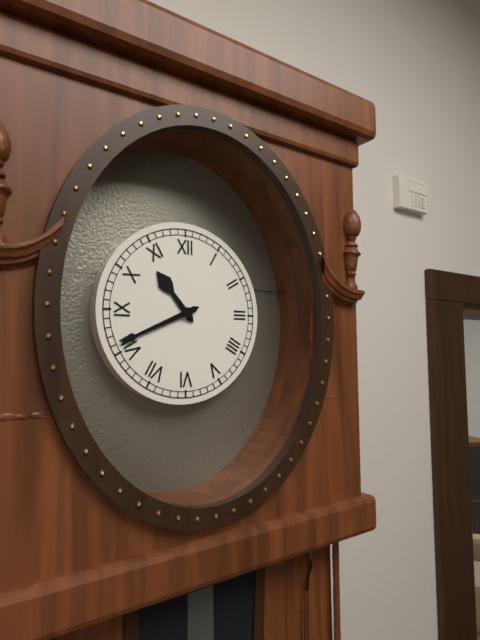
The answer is 10h41
